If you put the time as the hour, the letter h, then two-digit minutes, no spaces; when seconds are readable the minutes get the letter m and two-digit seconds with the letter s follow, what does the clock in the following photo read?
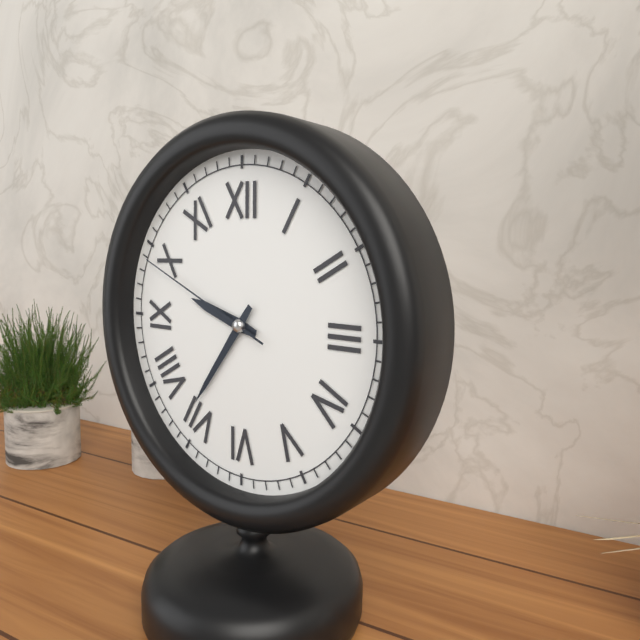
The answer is 9h36m49s
